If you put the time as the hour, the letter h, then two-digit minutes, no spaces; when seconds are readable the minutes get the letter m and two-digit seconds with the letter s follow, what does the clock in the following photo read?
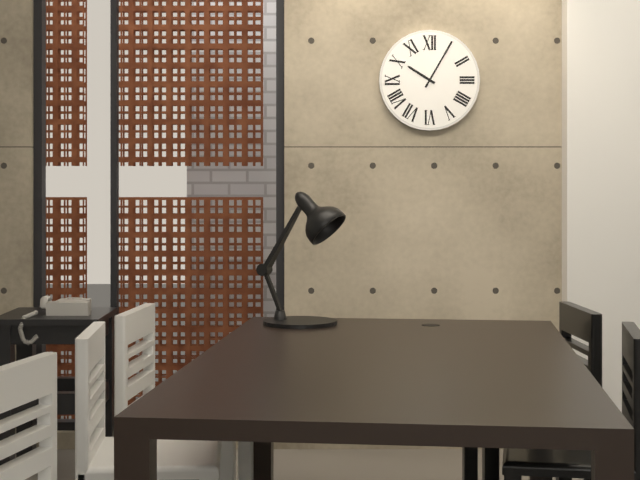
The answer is 10h05
